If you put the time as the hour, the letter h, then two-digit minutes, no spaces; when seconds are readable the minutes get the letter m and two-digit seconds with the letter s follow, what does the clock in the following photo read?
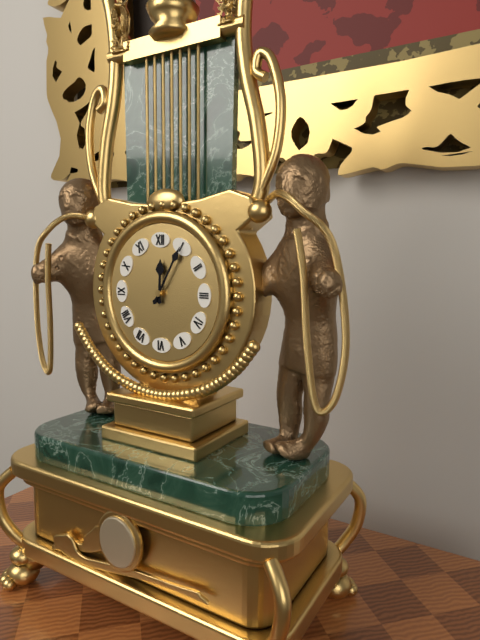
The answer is 12h05
